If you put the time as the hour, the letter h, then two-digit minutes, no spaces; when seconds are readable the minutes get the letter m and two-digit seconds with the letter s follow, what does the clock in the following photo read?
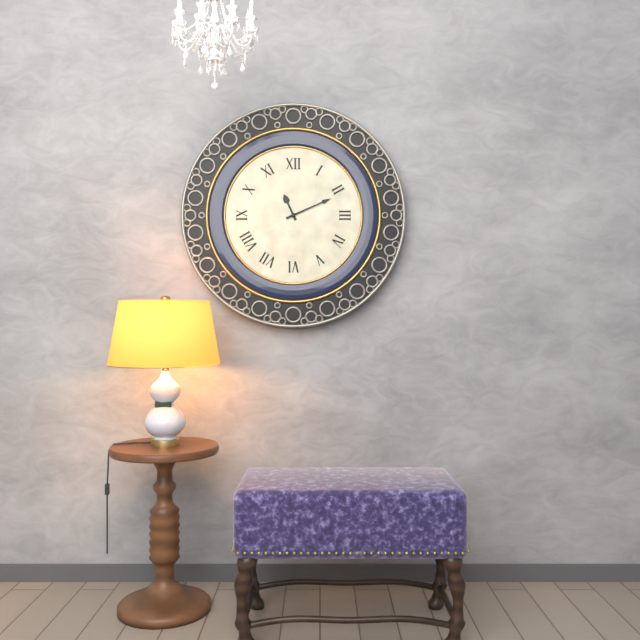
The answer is 11h11
